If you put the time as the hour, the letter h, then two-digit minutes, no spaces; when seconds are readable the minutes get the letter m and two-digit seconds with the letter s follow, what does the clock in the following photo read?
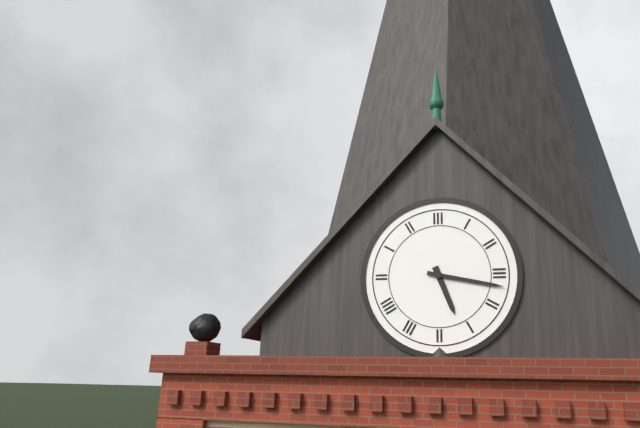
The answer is 5h17
